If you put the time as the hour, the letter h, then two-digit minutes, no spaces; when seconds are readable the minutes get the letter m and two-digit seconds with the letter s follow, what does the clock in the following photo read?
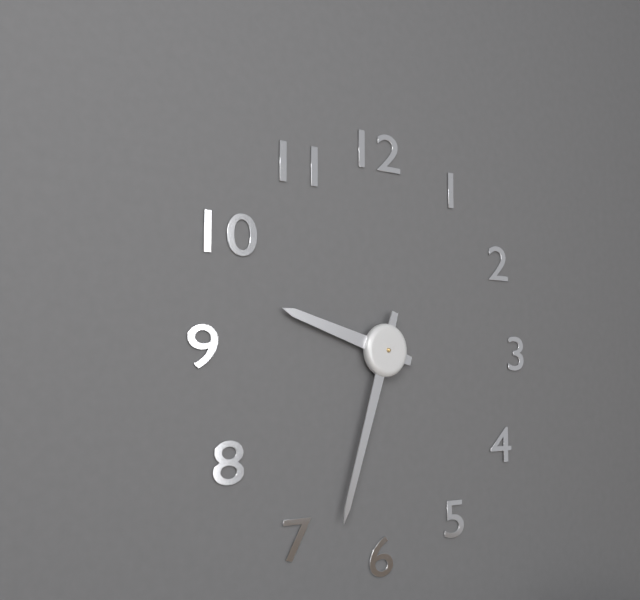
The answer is 9h33
